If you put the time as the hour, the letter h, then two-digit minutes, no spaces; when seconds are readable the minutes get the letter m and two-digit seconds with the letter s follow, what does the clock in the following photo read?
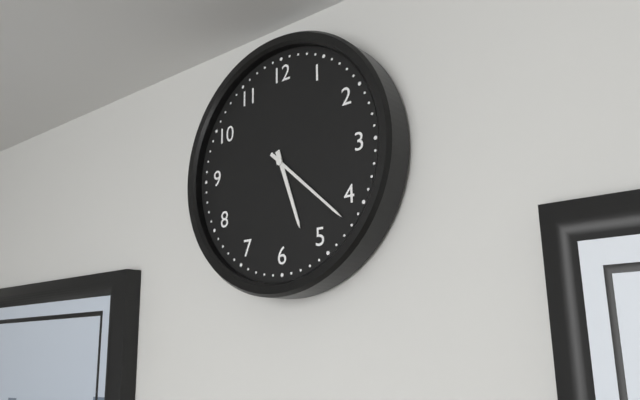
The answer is 5h22
